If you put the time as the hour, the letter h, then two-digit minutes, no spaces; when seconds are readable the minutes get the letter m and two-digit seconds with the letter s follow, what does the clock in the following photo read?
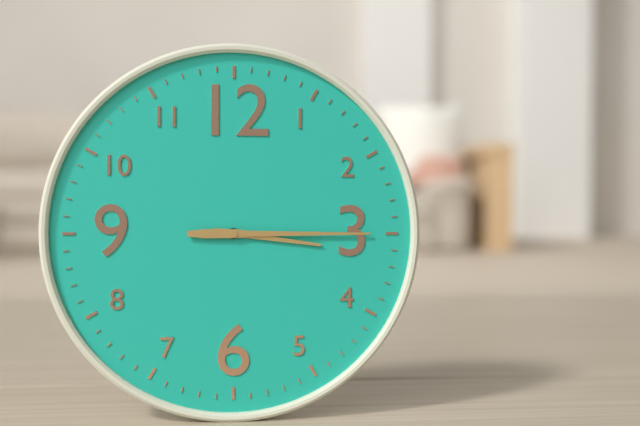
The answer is 3h15
